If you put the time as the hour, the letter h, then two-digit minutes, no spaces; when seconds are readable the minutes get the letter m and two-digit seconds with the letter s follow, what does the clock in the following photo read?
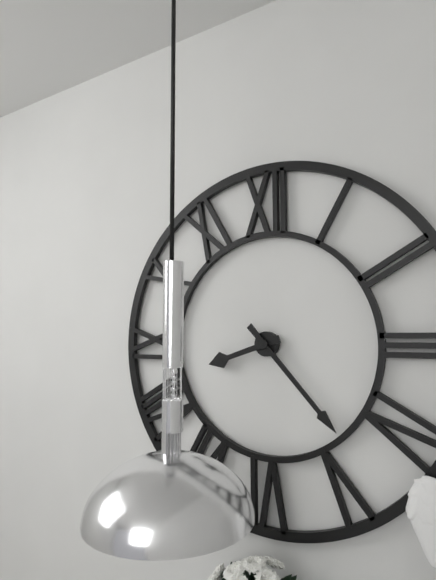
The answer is 8h23
